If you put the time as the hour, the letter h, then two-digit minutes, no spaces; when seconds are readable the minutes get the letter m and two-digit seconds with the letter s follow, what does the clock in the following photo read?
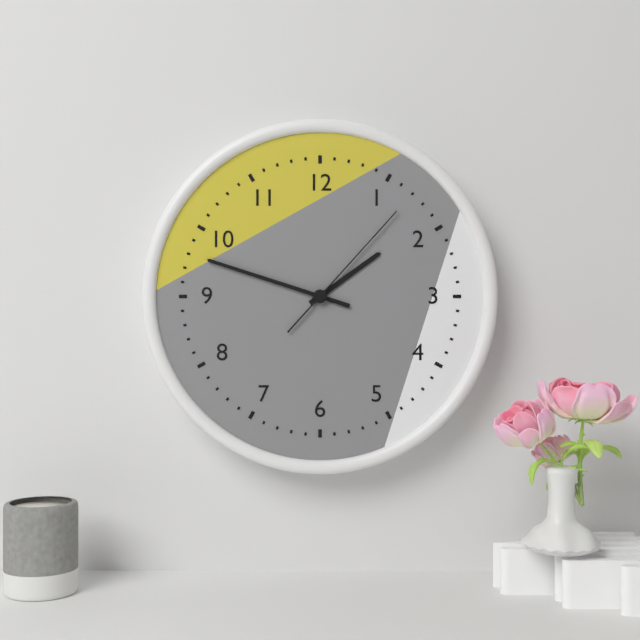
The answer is 1h48m07s
